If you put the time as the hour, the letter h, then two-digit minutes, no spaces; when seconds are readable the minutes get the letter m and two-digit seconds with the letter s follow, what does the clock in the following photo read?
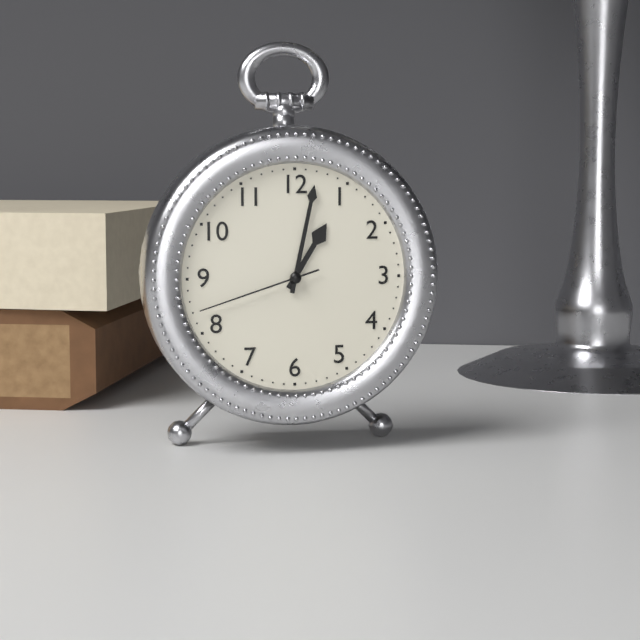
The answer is 1h02m42s
